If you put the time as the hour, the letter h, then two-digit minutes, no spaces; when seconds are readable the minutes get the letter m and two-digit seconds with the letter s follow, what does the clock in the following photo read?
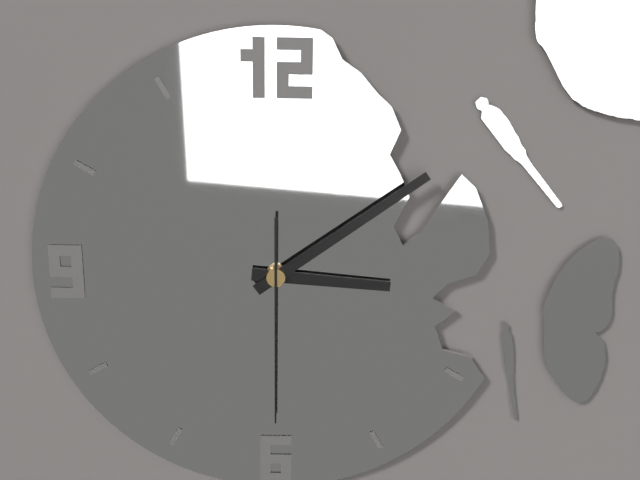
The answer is 3h09m30s
